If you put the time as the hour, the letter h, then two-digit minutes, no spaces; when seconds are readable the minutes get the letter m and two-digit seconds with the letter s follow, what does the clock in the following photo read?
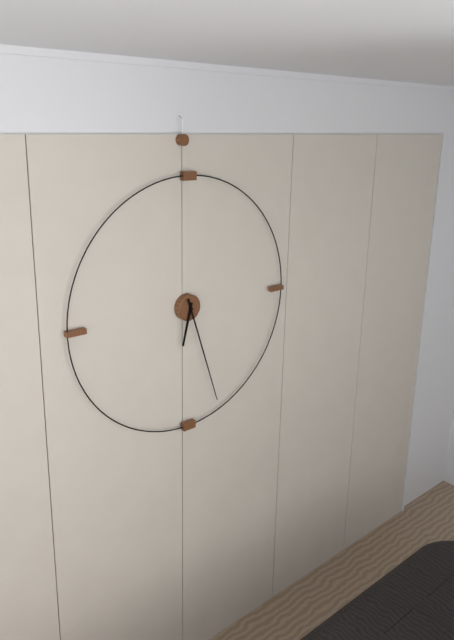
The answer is 6h27
